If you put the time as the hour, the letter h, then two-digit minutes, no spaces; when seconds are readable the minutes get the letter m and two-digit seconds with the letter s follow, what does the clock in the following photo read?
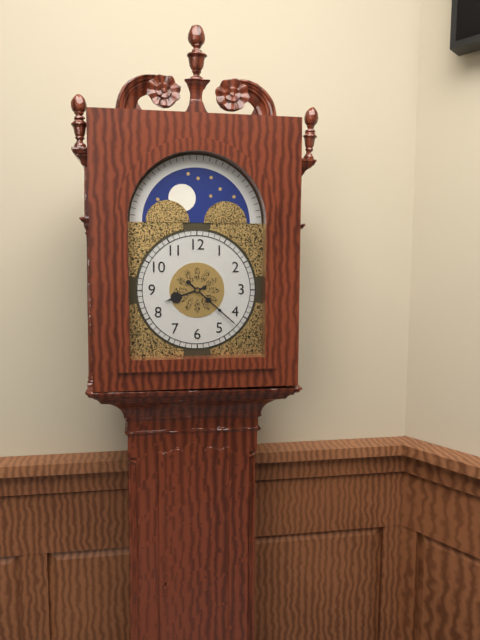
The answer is 8h22
